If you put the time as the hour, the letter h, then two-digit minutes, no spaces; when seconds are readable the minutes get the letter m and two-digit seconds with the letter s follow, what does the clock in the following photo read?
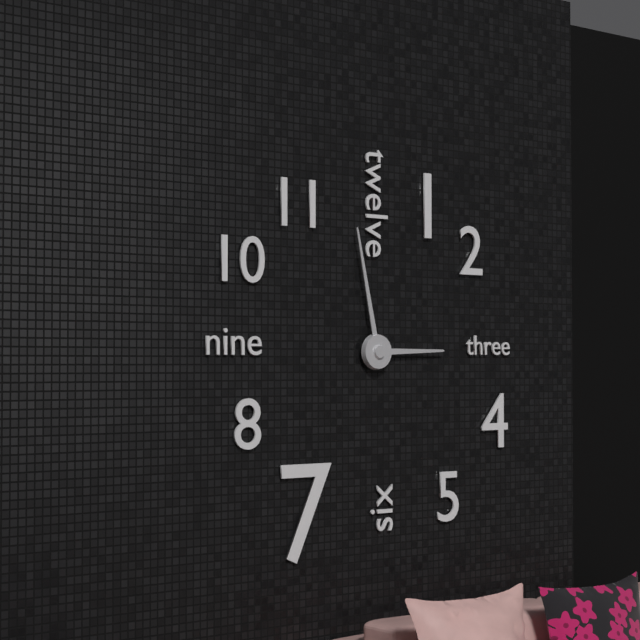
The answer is 2h58
